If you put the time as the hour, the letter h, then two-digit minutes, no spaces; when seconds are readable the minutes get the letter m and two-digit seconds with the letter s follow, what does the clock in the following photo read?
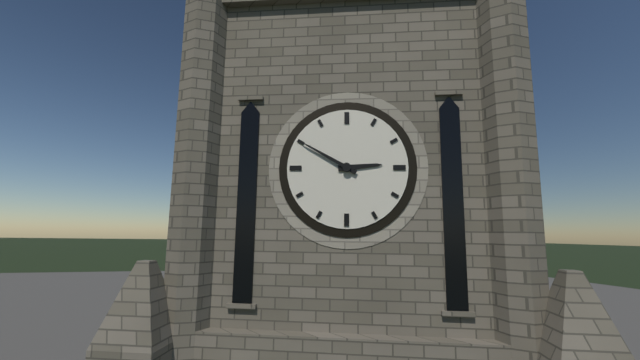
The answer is 2h50
